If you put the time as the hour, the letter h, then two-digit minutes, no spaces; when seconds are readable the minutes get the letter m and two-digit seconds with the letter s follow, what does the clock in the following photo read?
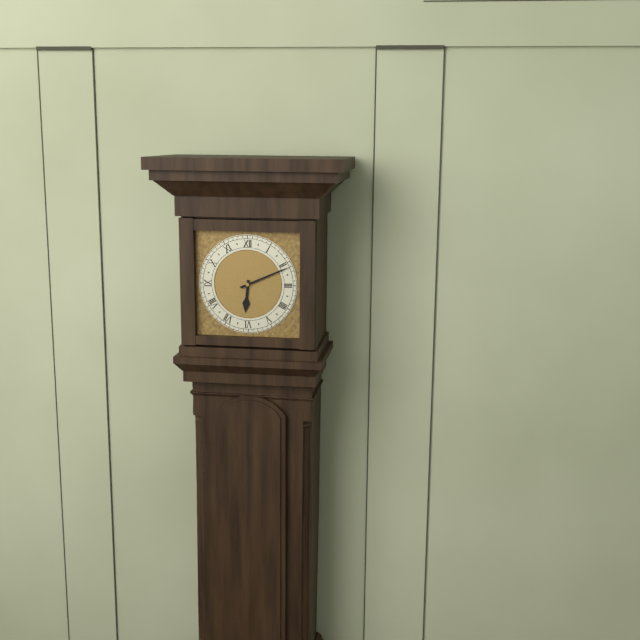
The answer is 6h11
